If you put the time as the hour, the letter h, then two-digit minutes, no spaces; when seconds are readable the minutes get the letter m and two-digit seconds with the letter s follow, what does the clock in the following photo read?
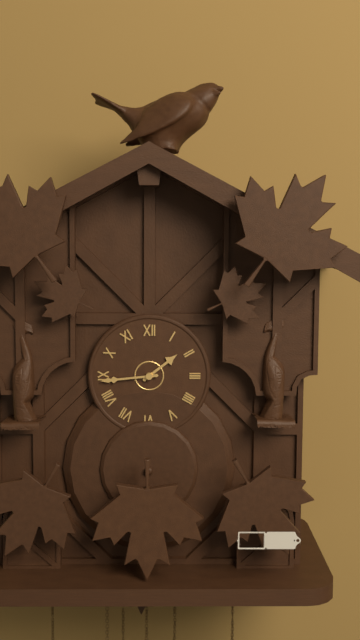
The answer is 1h44
